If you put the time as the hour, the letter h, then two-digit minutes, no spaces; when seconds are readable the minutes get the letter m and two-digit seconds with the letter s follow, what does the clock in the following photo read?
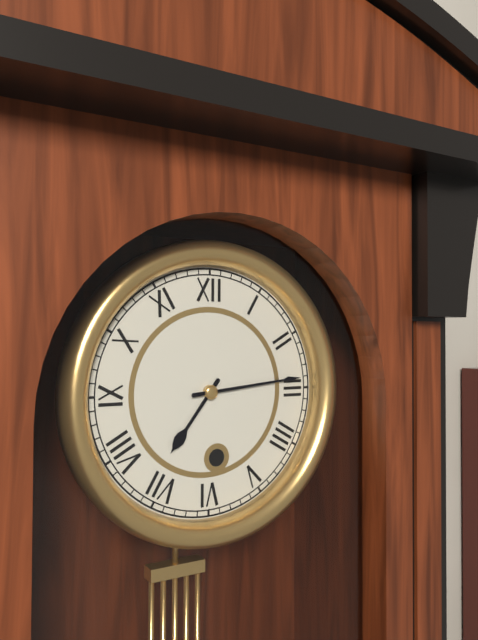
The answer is 7h14
